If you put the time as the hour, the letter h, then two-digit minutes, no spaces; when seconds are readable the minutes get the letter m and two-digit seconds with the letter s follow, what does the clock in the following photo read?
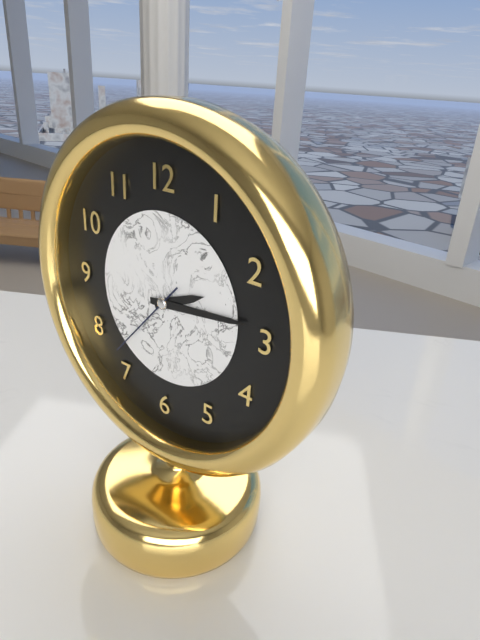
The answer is 2h14m37s
